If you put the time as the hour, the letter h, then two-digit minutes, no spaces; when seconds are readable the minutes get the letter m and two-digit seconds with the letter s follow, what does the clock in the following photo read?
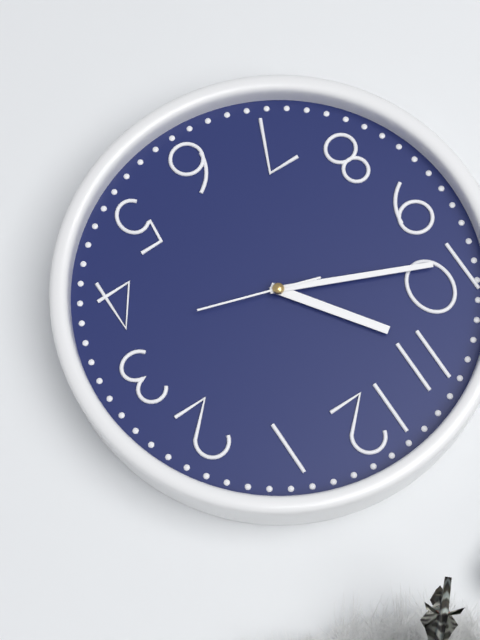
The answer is 10h49m18s
